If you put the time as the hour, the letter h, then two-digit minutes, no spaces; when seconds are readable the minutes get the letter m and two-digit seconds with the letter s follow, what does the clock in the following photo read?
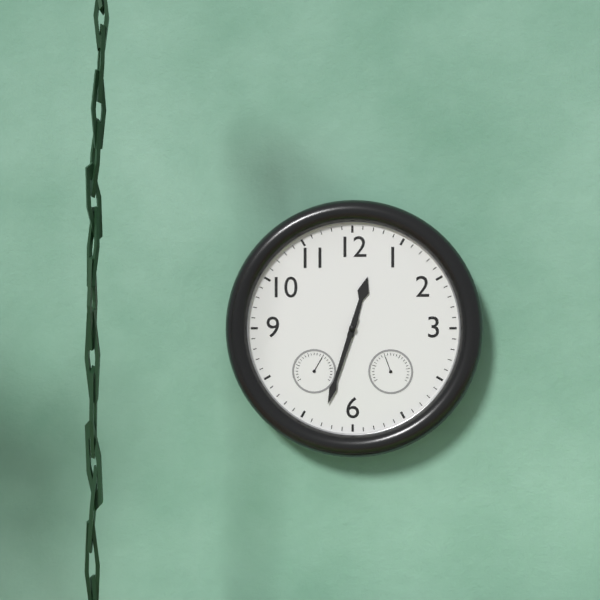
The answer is 12h33
